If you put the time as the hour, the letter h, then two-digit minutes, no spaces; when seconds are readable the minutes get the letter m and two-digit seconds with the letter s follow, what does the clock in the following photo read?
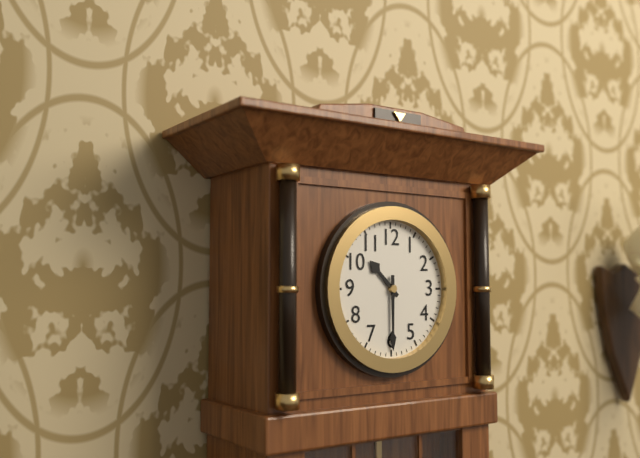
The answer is 10h30
